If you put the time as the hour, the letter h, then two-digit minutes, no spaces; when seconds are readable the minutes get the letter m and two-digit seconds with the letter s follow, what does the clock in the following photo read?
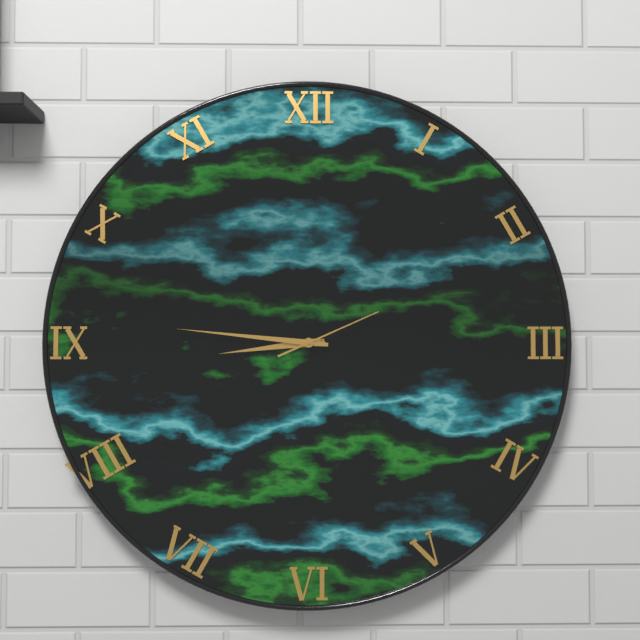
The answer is 8h46m11s
